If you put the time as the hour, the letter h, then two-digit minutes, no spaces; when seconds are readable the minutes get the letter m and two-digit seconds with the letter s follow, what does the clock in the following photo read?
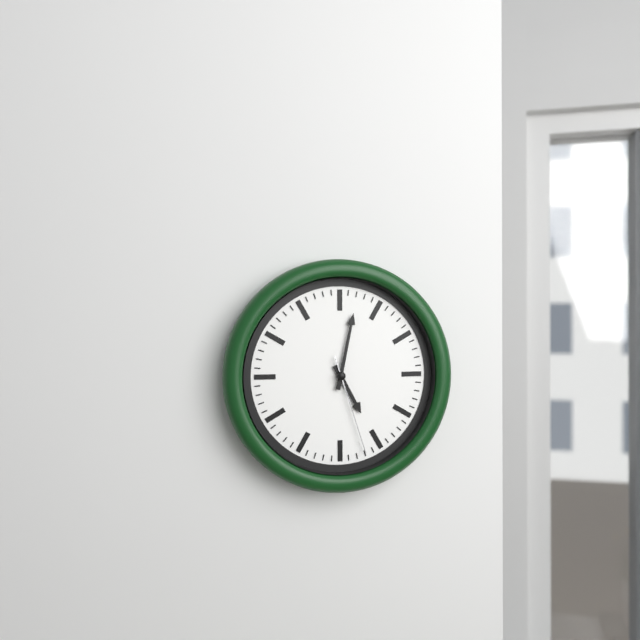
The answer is 5h02m27s
